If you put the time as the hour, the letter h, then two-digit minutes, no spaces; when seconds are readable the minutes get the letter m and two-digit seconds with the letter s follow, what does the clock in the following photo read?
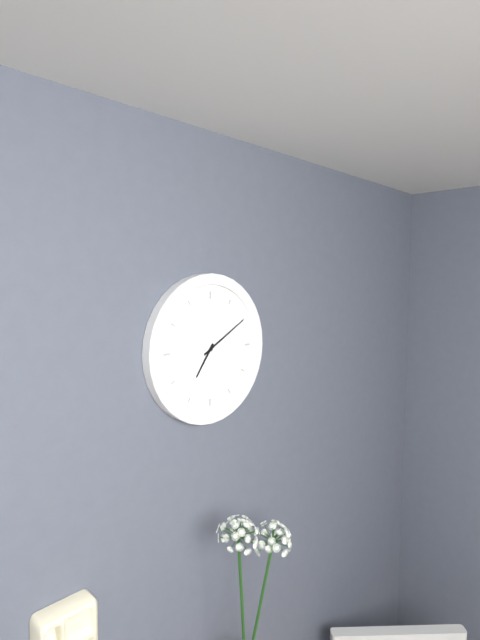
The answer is 7h10
